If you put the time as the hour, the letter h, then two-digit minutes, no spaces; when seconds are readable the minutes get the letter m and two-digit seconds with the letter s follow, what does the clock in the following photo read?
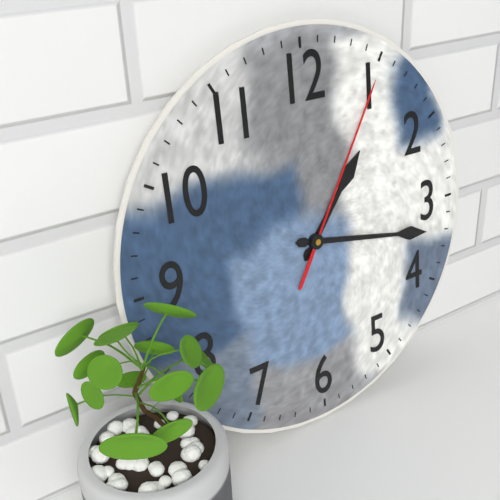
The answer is 1h17m05s
